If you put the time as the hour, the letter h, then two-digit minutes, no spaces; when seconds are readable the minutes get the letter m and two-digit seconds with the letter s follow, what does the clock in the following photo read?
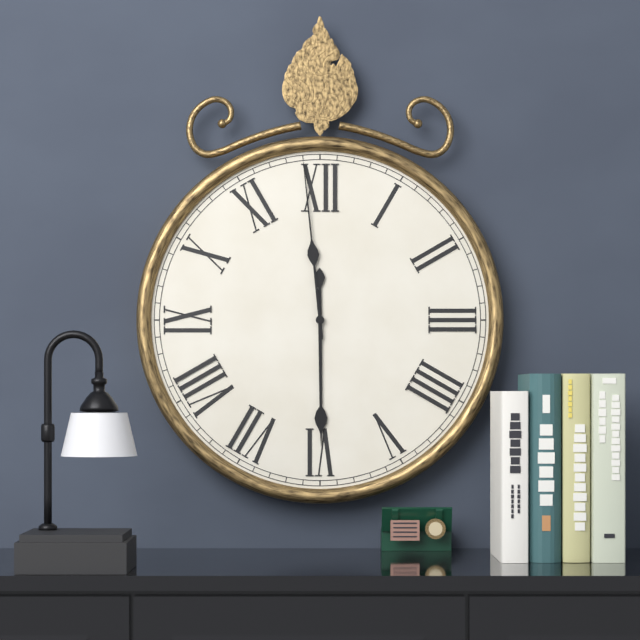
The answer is 5h59
